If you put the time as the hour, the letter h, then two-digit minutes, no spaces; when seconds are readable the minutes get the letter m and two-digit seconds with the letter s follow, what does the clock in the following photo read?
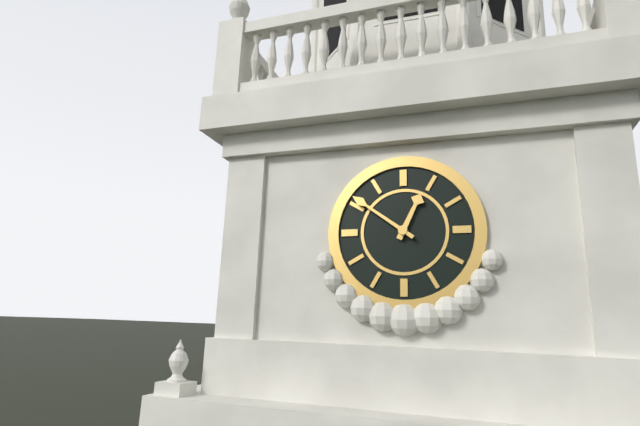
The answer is 12h51
